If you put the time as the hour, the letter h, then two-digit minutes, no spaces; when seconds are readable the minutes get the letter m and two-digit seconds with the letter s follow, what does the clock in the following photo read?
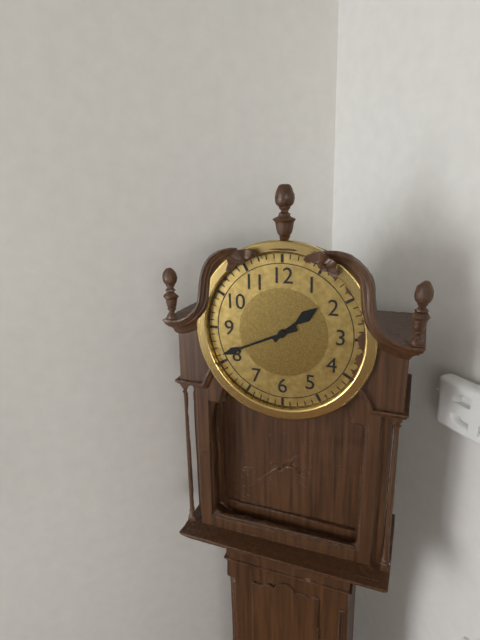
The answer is 1h41
